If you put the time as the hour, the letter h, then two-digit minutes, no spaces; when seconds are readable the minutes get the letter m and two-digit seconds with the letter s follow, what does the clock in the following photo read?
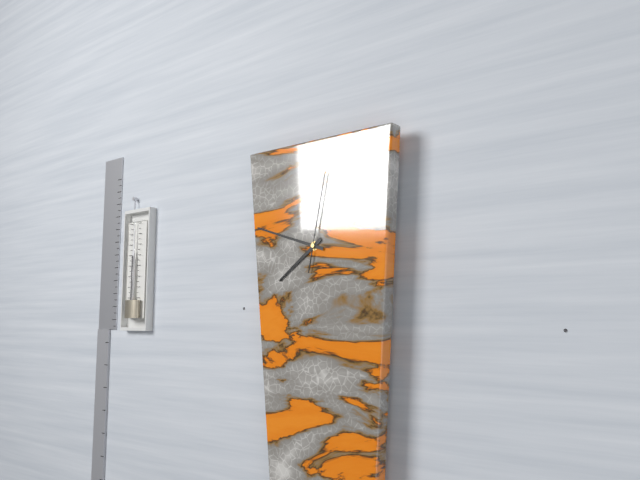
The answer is 7h48m02s
